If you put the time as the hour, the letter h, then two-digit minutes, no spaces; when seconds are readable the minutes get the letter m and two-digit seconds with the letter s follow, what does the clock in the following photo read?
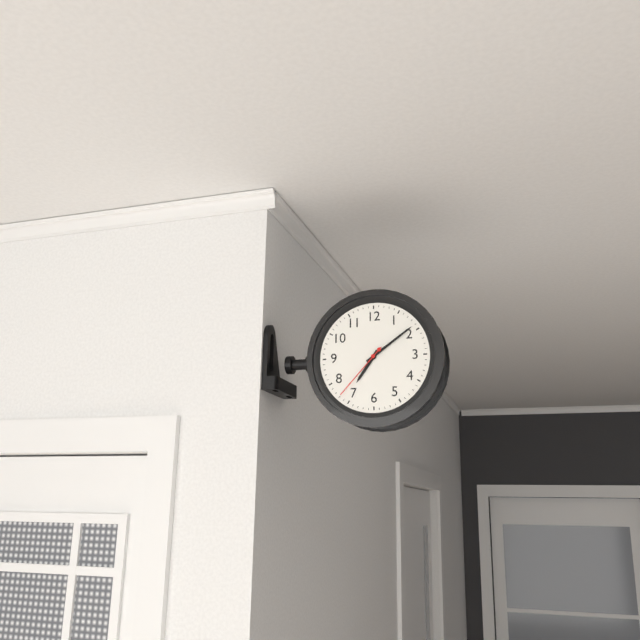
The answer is 7h09m37s
